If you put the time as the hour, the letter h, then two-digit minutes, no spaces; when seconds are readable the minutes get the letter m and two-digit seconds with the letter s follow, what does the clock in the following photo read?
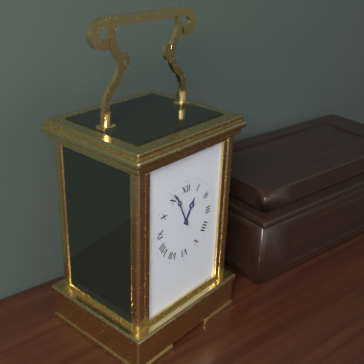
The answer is 12h56
